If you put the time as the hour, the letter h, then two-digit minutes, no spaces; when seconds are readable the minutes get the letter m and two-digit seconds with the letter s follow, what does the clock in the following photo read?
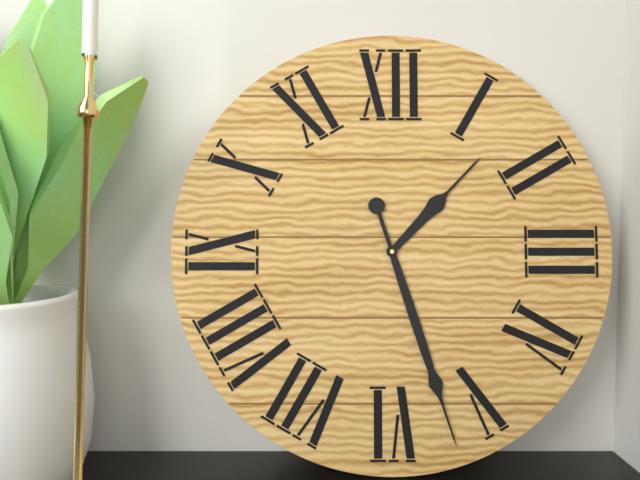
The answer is 1h27
